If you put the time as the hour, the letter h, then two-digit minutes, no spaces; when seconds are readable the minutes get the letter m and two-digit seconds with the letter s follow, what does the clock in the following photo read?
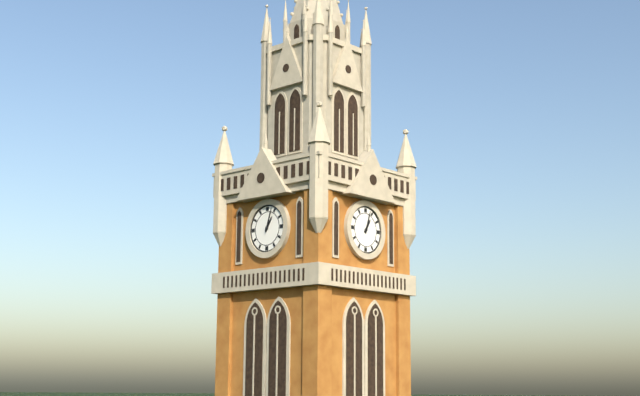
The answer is 1h03
